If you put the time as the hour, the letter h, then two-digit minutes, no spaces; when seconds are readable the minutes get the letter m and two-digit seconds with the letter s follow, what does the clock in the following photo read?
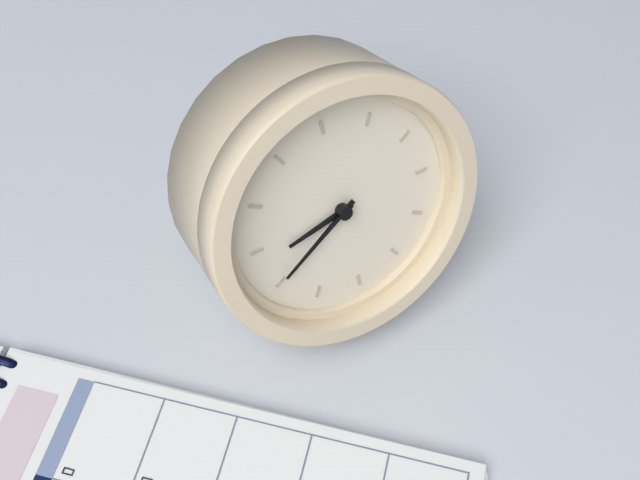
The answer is 8h40
